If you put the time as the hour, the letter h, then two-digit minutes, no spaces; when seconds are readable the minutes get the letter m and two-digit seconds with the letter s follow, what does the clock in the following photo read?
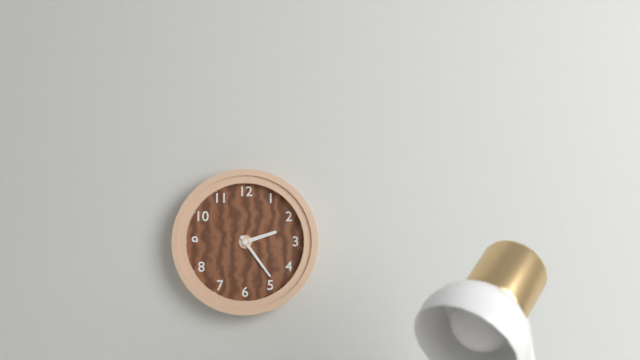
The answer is 2h24
